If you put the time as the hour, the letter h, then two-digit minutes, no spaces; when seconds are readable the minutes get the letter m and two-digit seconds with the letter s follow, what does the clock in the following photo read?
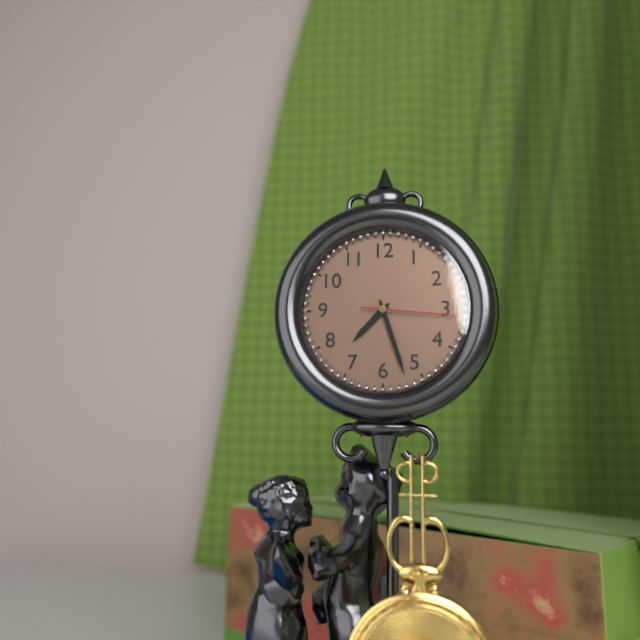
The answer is 7h27m16s
